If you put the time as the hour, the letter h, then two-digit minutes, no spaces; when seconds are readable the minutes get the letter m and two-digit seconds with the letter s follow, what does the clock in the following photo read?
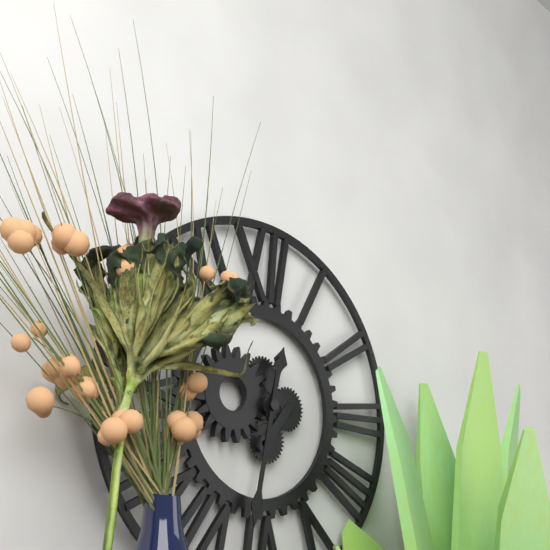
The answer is 12h32
